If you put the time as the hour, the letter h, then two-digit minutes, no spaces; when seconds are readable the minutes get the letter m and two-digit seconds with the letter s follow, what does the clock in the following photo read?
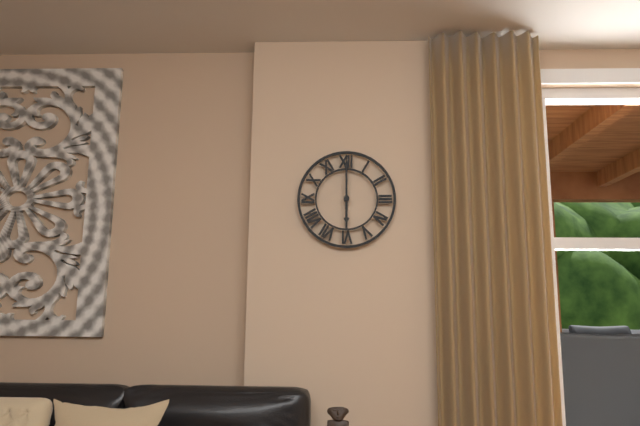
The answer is 6h00
